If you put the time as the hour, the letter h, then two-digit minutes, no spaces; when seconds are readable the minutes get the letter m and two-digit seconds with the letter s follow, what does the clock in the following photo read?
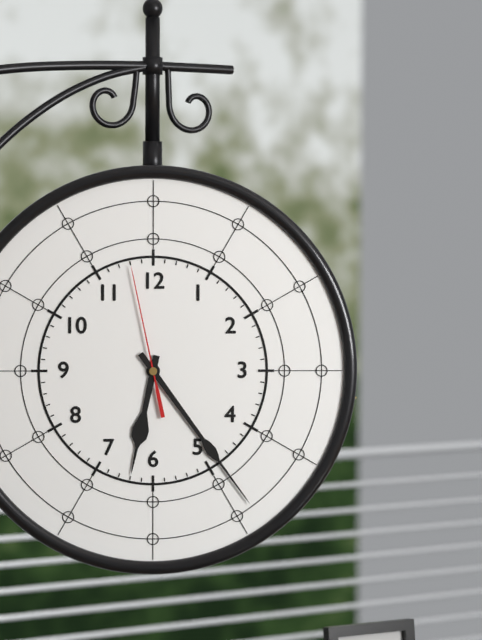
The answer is 6h24m58s
